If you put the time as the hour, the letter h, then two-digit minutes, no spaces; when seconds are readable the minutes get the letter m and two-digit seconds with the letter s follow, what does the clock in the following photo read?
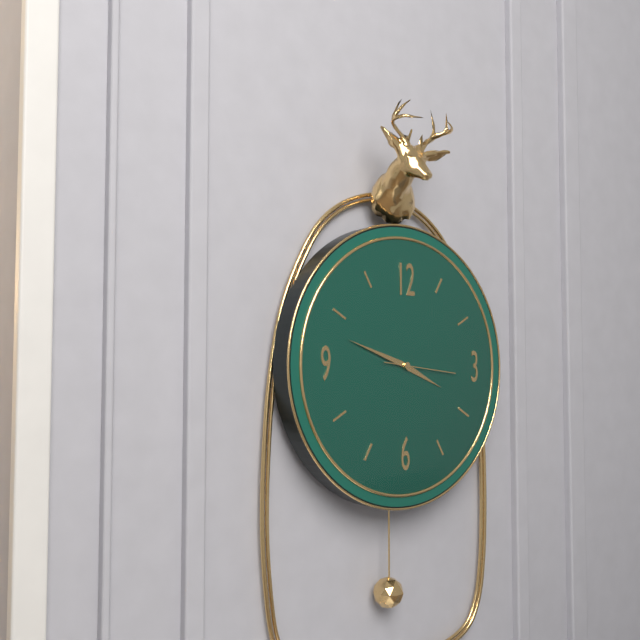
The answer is 3h48m16s
